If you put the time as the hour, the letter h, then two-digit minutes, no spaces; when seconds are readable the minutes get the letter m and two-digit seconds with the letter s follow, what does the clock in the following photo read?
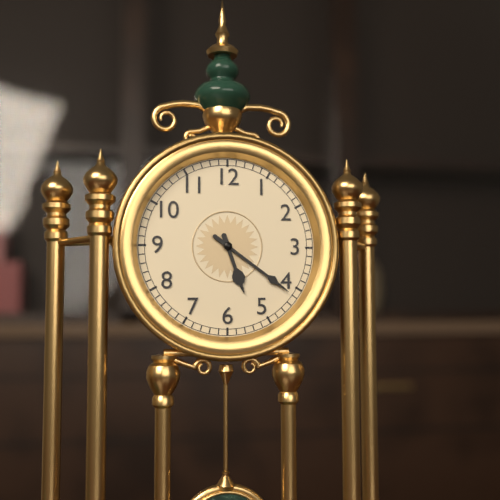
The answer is 5h21
